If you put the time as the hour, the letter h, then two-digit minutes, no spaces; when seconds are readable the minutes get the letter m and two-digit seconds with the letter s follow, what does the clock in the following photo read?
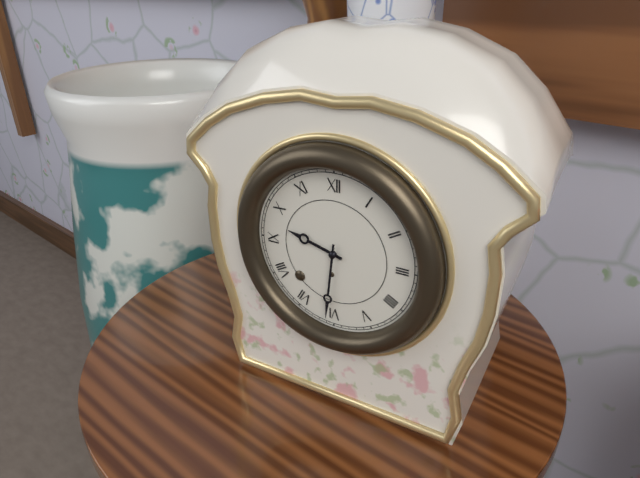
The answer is 9h31
